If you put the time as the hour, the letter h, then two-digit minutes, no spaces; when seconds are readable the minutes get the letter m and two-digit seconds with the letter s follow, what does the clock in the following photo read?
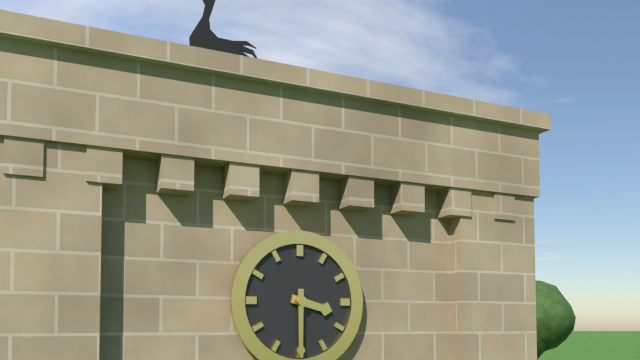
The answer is 3h30
